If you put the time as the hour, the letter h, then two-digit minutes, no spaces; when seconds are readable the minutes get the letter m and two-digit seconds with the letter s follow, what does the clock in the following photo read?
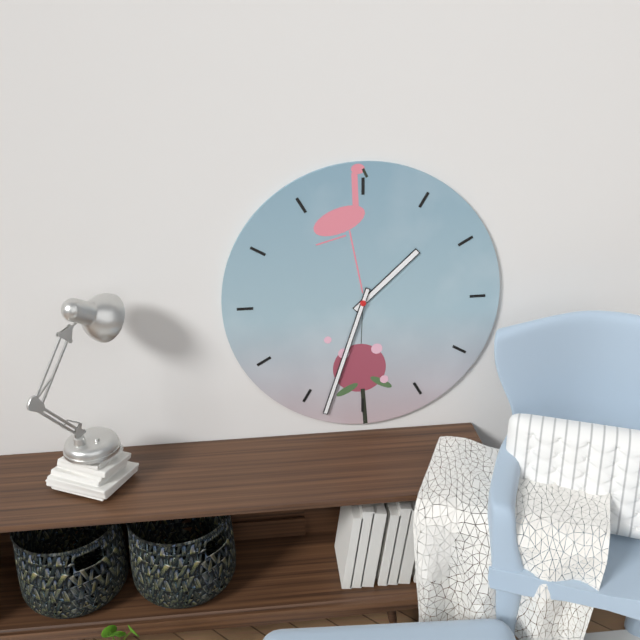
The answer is 1h33
